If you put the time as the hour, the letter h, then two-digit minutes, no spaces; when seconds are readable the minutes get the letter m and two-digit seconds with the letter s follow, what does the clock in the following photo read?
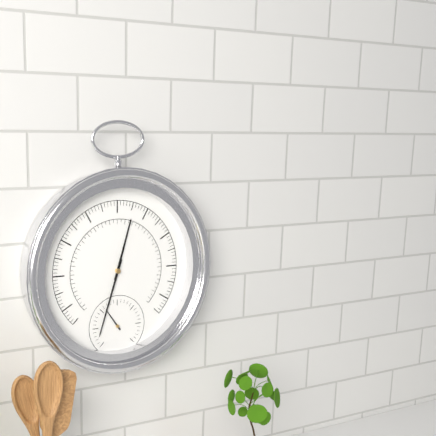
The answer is 12h33
